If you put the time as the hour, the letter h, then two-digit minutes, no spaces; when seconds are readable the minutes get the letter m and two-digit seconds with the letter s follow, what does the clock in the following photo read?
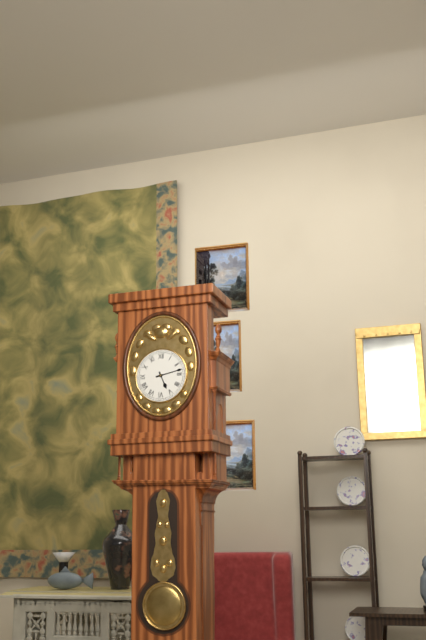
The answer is 5h13
